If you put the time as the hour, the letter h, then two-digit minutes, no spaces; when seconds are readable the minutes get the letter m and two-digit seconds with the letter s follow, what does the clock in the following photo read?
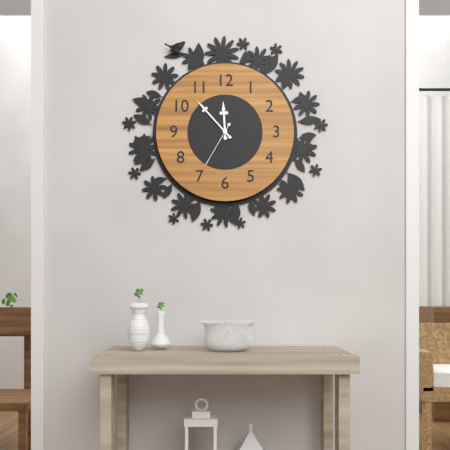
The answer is 11h53
